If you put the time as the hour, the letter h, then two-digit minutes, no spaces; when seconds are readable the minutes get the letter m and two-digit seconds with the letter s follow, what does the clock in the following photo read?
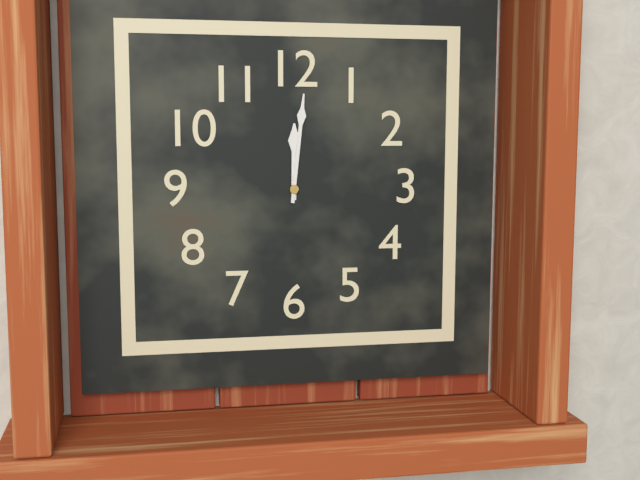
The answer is 12h01
